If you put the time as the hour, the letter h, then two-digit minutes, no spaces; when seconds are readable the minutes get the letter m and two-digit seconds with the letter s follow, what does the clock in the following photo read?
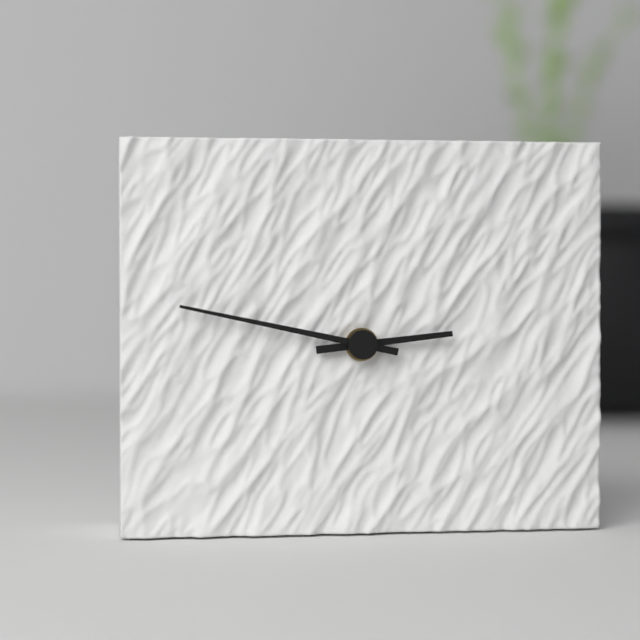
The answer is 2h47
